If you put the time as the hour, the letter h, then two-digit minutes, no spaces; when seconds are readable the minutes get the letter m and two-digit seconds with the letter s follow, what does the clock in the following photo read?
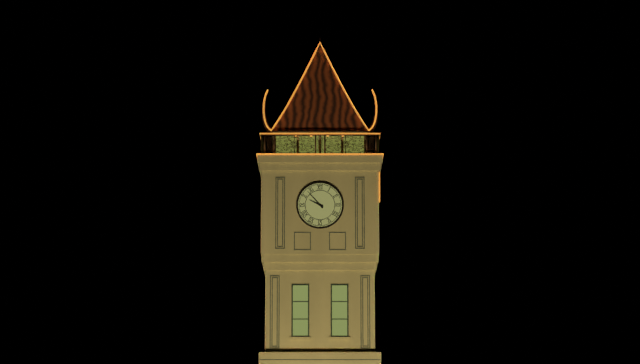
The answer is 9h53
